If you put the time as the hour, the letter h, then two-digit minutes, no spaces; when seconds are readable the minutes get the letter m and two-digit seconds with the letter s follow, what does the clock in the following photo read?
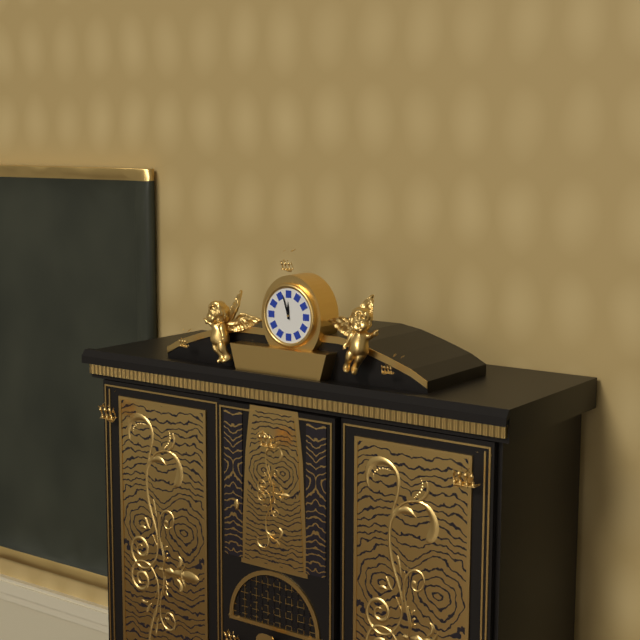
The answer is 11h57
